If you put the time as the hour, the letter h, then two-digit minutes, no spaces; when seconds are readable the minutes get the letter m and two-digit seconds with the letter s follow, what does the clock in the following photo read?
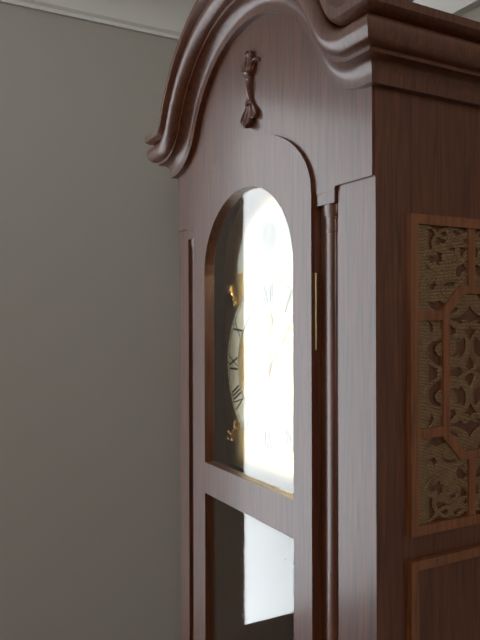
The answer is 12h07
